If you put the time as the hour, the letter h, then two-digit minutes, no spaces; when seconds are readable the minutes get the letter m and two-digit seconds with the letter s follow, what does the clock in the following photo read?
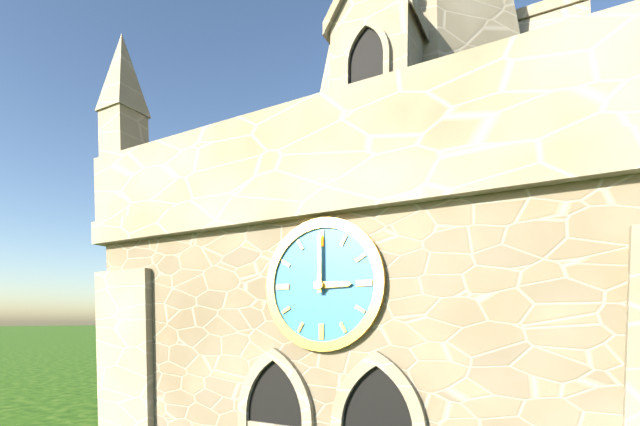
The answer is 3h00
